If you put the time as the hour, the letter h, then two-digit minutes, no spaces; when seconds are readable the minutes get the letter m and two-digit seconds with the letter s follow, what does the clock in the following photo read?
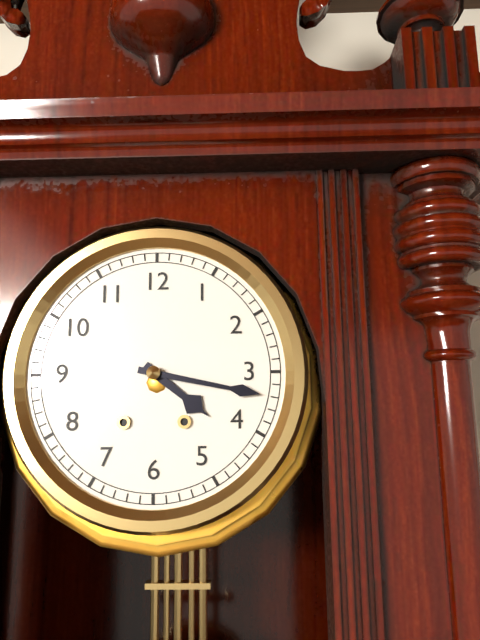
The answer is 4h17
